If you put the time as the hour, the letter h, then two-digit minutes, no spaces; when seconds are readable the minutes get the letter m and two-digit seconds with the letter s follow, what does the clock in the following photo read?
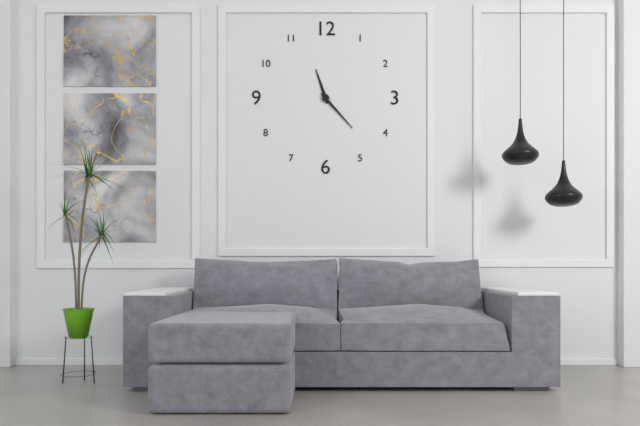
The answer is 11h23
